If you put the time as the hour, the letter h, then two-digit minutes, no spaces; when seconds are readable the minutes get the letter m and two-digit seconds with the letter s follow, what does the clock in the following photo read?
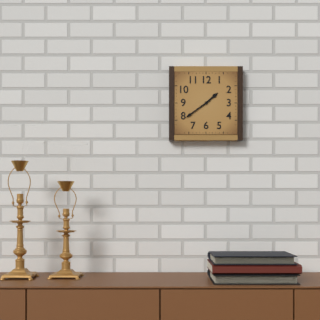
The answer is 1h39
